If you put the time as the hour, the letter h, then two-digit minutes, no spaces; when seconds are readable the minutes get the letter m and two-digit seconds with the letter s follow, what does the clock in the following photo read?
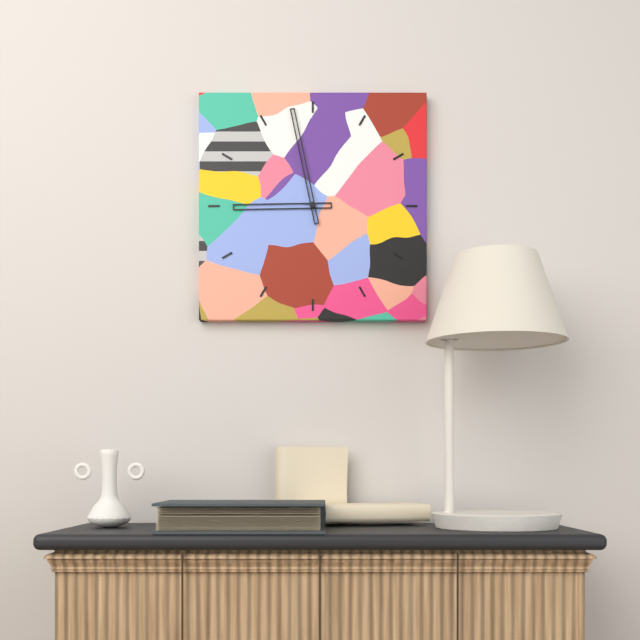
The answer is 8h58
